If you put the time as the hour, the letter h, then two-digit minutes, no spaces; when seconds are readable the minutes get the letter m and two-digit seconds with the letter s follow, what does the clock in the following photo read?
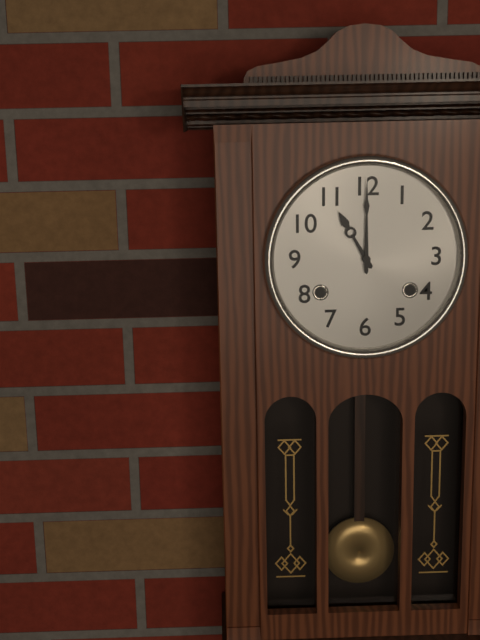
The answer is 11h00
